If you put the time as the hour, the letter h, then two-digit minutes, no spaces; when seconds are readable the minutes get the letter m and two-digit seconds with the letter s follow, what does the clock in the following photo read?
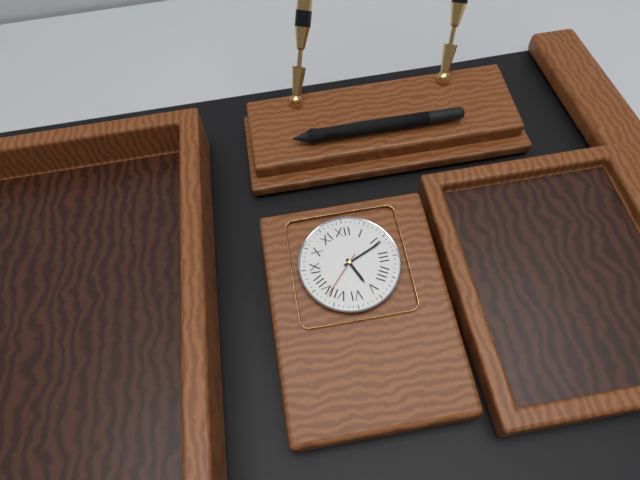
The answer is 5h11m37s
